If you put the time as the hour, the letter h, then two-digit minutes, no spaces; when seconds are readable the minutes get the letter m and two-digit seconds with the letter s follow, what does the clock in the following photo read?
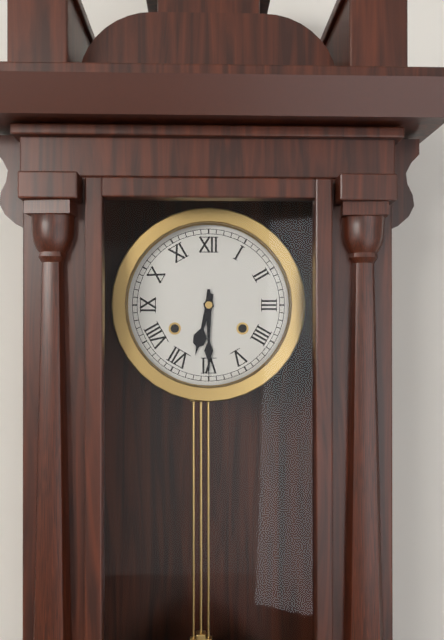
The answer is 6h30
